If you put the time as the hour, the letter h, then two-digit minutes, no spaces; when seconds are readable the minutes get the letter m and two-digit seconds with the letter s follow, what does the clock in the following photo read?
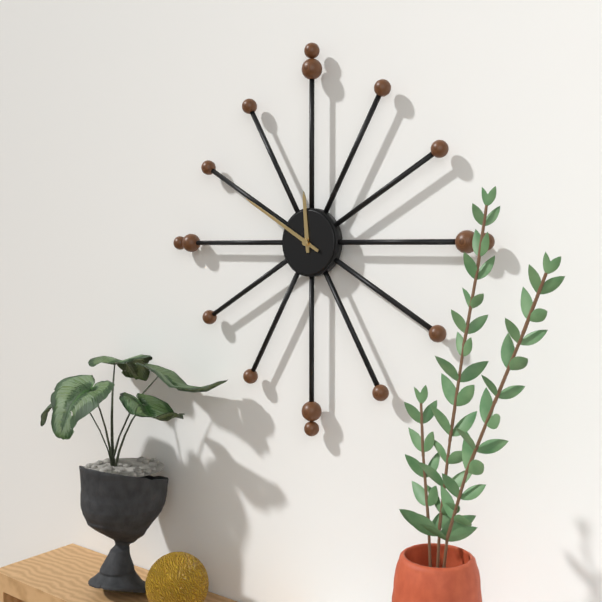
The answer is 11h50
